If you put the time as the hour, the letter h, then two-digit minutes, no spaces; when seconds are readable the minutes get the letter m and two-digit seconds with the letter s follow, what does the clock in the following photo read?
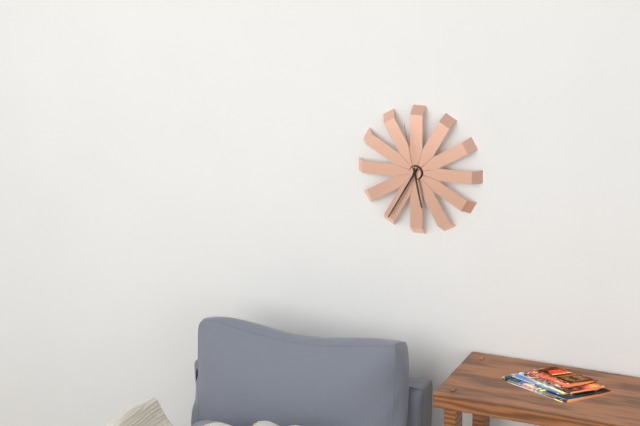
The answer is 5h35m58s
